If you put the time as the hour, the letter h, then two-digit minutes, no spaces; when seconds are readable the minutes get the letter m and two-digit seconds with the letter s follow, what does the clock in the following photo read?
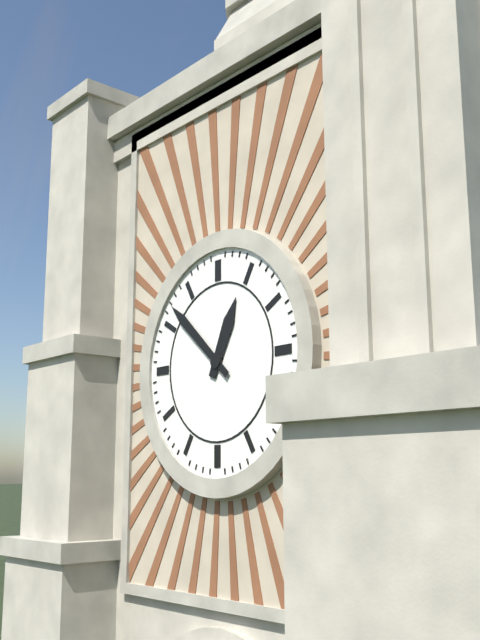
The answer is 12h52
